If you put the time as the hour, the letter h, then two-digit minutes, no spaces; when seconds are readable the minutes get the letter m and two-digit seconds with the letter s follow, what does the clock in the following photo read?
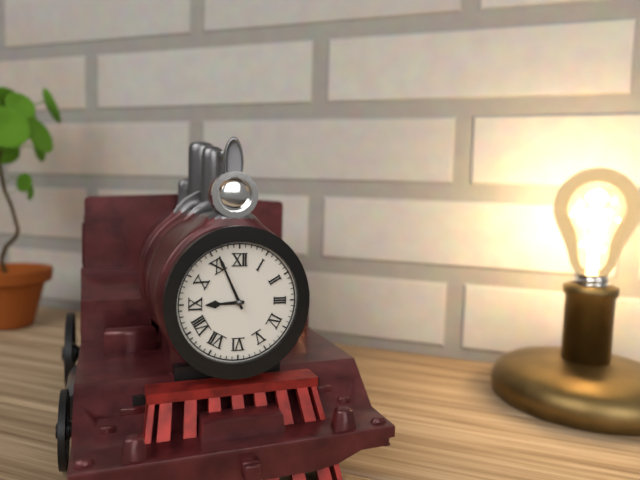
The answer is 8h56
